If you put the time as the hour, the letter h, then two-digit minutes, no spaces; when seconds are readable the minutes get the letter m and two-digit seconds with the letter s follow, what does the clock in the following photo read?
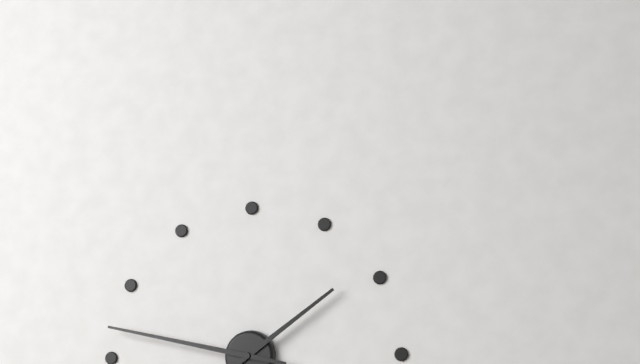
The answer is 1h47
